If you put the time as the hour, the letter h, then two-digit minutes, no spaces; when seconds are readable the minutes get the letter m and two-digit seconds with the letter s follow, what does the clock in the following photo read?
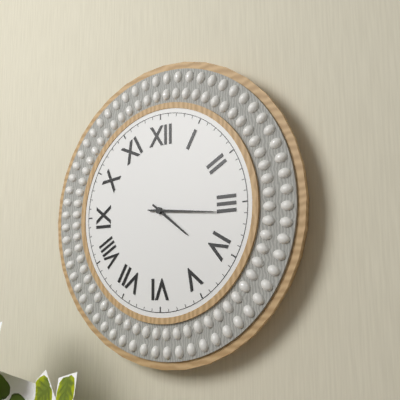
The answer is 4h16
